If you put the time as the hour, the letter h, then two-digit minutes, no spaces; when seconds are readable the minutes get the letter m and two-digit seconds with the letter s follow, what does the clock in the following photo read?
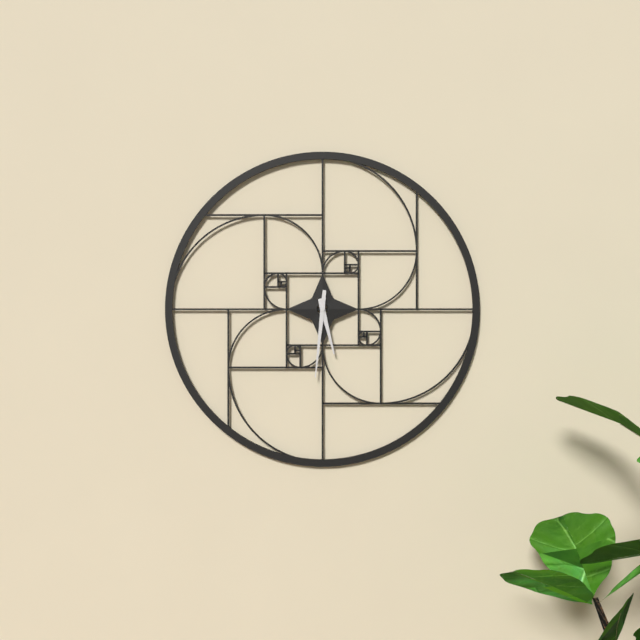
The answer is 5h31
